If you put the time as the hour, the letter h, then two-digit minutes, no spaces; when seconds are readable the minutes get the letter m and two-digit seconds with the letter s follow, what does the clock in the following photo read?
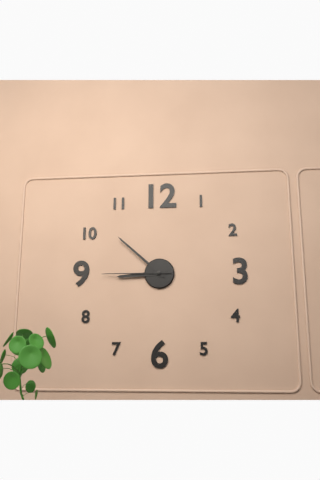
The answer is 8h52m45s
